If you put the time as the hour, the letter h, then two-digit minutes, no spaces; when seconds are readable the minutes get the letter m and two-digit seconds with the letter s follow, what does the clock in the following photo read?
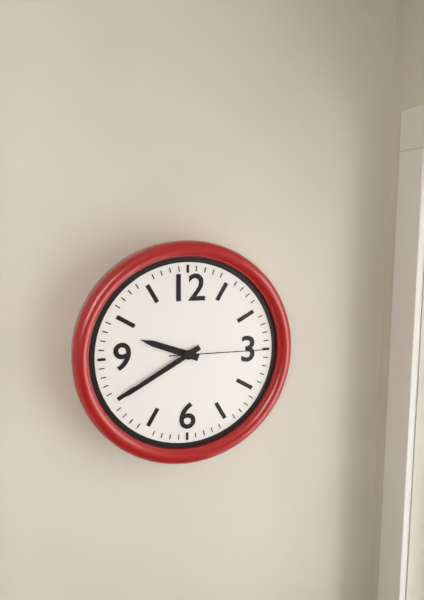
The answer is 9h40m15s
